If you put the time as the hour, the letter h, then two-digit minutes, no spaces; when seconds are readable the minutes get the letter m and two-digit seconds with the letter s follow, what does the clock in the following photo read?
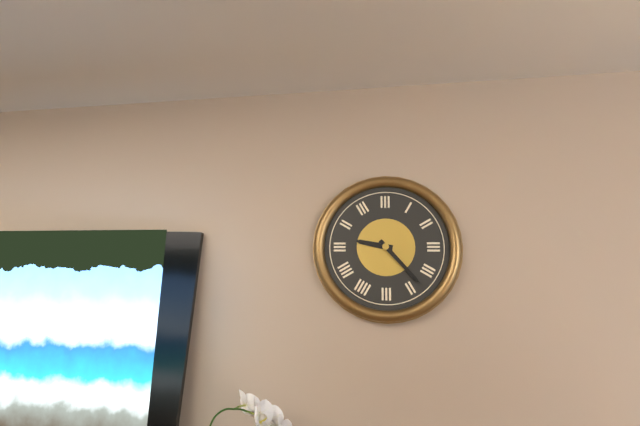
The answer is 9h23
